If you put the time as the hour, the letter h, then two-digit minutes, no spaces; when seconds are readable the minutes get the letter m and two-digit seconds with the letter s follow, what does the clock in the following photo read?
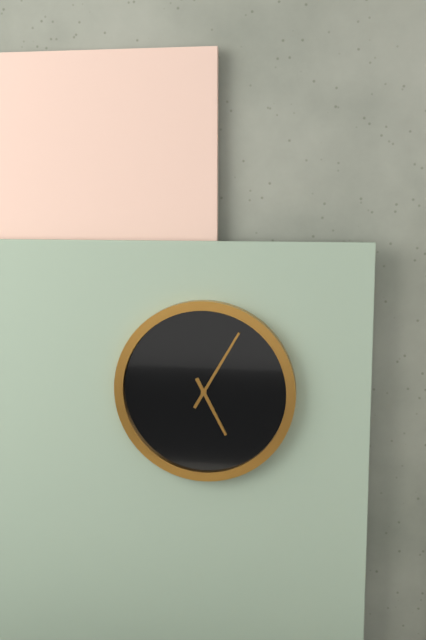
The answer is 5h05
